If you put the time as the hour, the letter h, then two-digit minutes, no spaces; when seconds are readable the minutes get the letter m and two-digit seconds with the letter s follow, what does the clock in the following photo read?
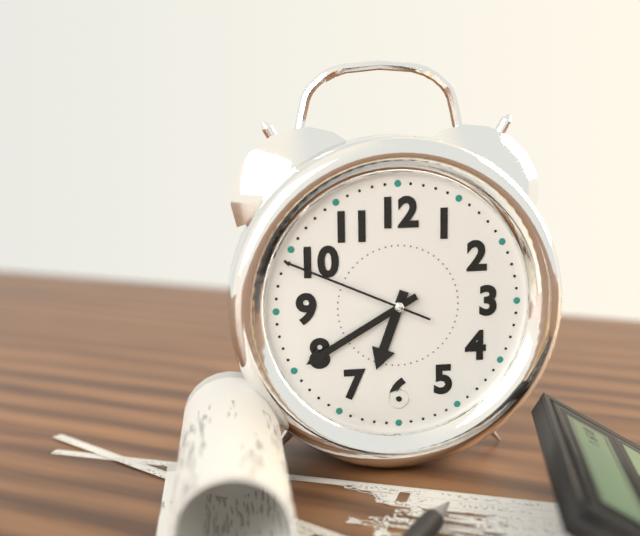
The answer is 6h40m49s
